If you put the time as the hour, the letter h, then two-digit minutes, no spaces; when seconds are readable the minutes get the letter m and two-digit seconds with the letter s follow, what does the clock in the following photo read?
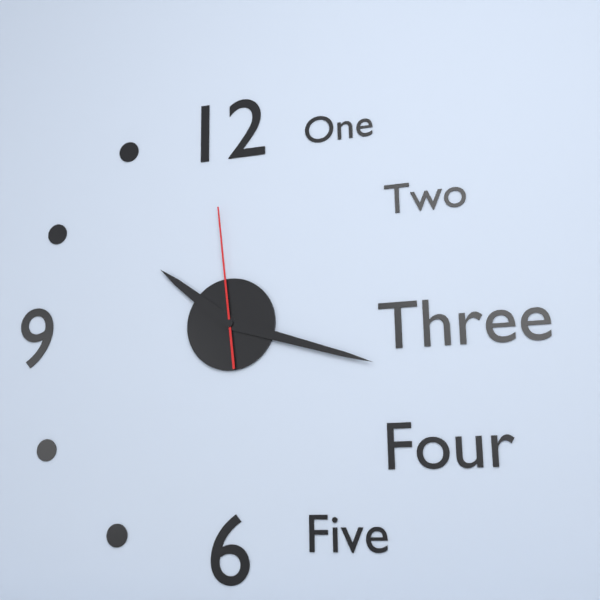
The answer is 10h18m59s
